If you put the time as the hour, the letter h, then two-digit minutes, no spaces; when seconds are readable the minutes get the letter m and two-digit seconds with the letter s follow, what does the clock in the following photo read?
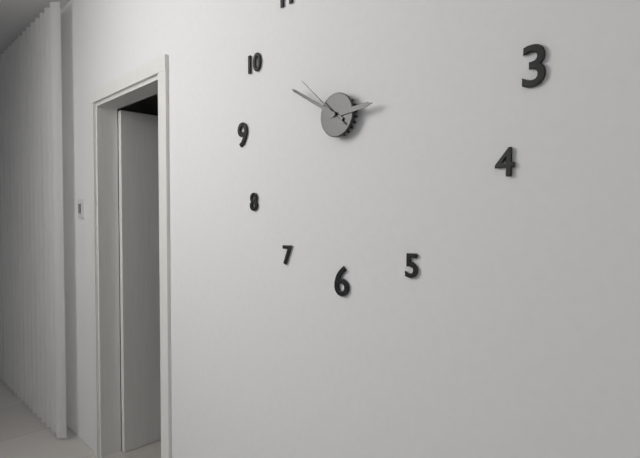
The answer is 2h50m52s
